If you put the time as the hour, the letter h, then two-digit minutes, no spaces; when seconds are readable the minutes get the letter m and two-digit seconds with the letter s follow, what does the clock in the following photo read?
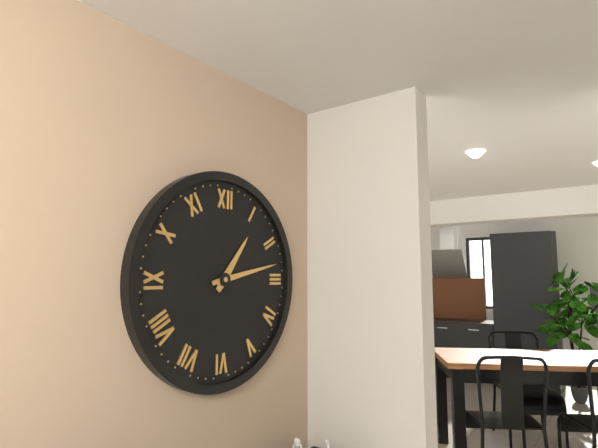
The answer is 1h13
